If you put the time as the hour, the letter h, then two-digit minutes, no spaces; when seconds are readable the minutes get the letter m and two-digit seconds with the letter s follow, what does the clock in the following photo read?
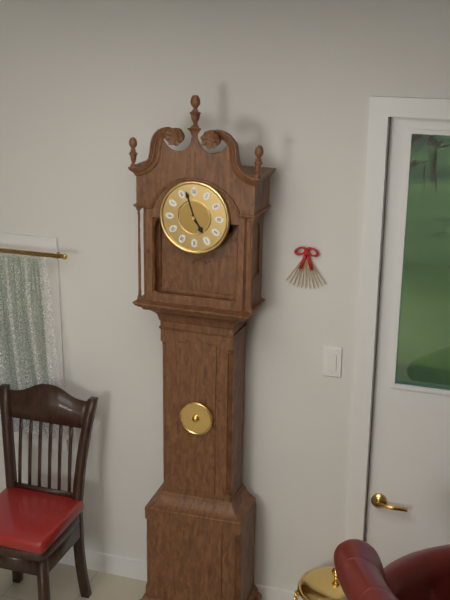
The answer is 4h57
